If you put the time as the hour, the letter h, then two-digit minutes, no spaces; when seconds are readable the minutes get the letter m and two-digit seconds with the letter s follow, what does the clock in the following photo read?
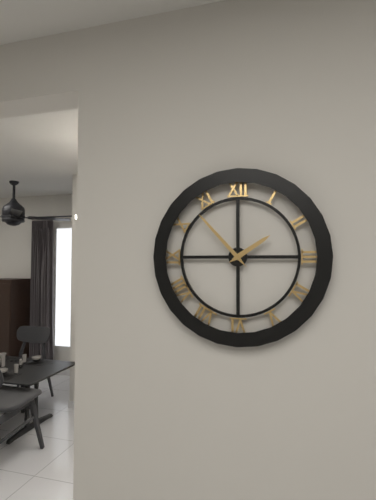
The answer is 1h53
